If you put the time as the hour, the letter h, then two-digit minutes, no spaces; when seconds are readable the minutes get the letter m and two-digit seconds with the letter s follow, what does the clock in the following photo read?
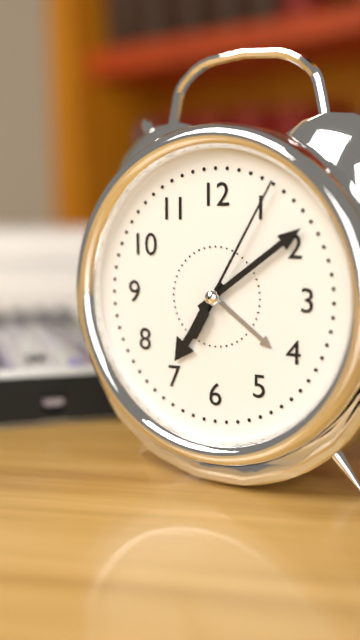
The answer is 7h09m05s
